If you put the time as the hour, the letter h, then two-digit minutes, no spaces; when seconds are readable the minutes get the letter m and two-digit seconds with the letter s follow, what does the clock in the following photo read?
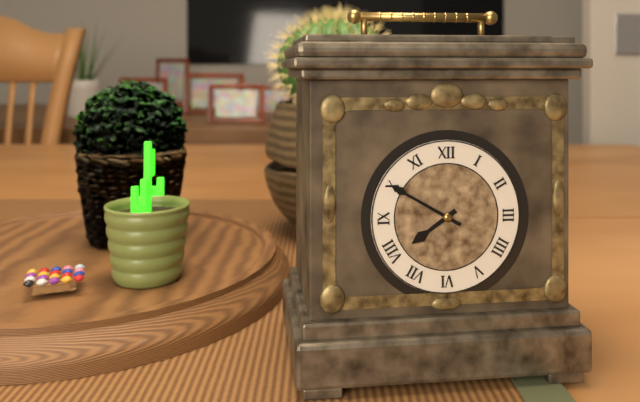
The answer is 7h50
